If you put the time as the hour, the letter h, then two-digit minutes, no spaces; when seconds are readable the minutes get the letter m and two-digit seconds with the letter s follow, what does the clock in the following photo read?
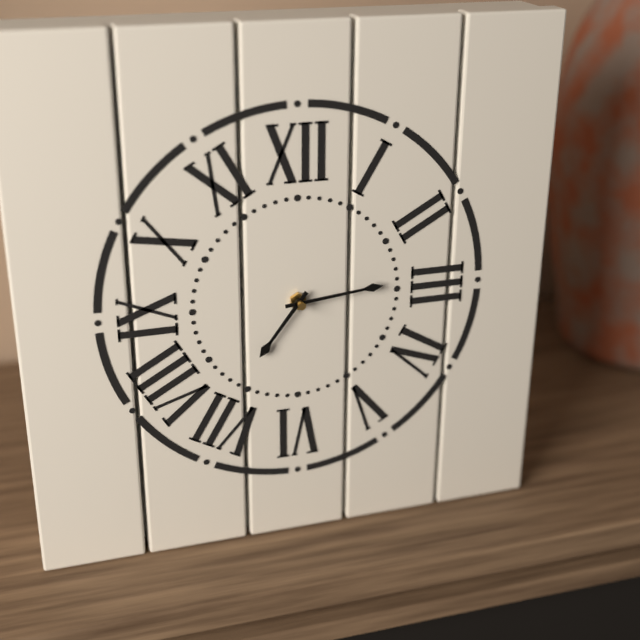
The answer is 7h14
